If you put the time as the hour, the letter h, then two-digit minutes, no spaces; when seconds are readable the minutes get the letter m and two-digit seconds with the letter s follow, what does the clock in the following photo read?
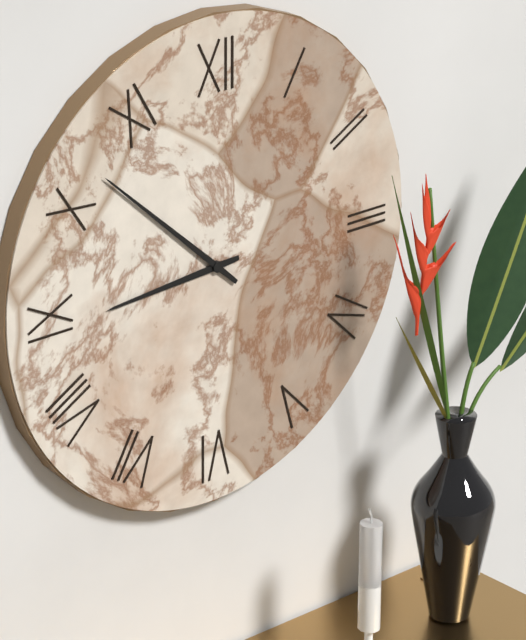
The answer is 8h52
